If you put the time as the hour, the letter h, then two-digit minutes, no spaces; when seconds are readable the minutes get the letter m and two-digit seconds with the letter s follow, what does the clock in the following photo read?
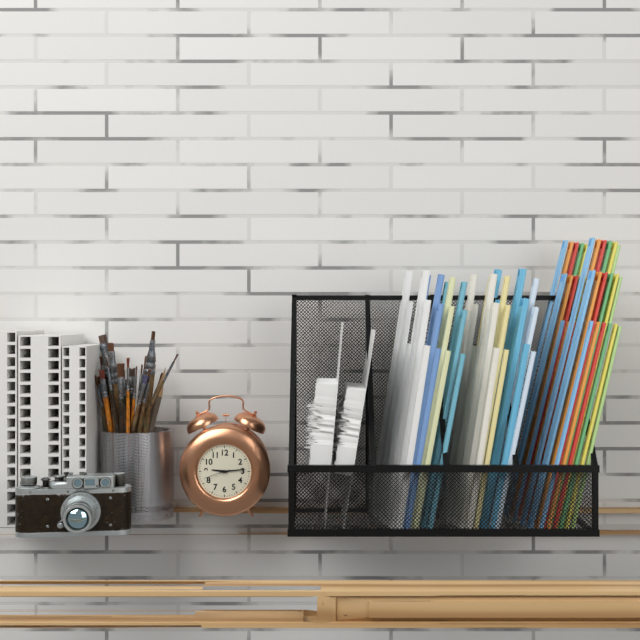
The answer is 9h14
